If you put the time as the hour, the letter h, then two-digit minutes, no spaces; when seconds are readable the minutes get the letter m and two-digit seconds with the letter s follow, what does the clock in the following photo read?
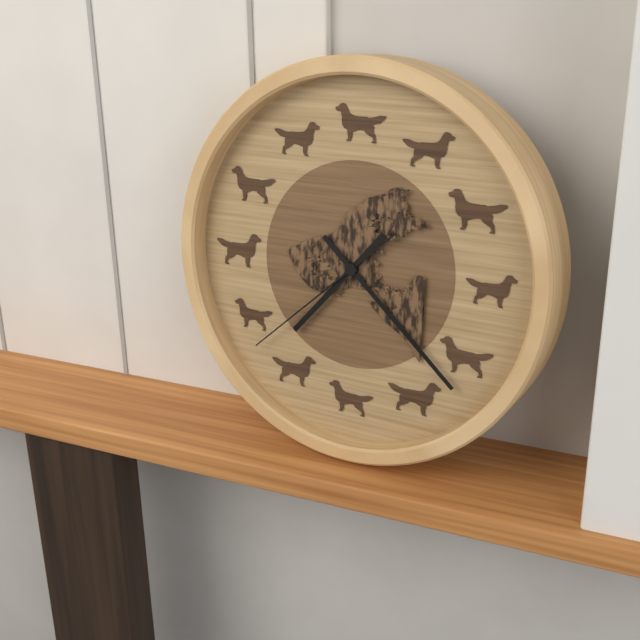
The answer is 7h22m38s
